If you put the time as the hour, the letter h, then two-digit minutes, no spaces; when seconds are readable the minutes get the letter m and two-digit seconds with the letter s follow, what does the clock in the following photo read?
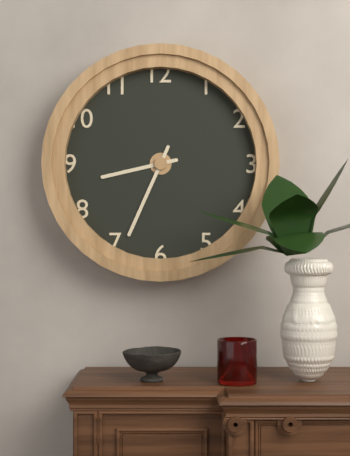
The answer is 8h34
